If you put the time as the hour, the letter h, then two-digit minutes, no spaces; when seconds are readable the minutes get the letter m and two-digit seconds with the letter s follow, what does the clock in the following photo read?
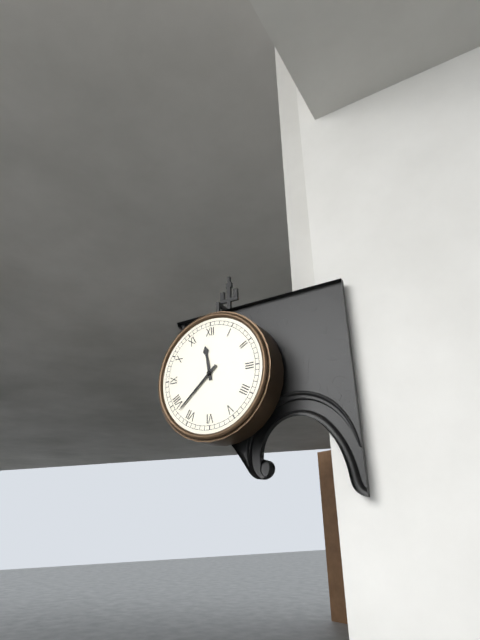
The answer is 11h38
